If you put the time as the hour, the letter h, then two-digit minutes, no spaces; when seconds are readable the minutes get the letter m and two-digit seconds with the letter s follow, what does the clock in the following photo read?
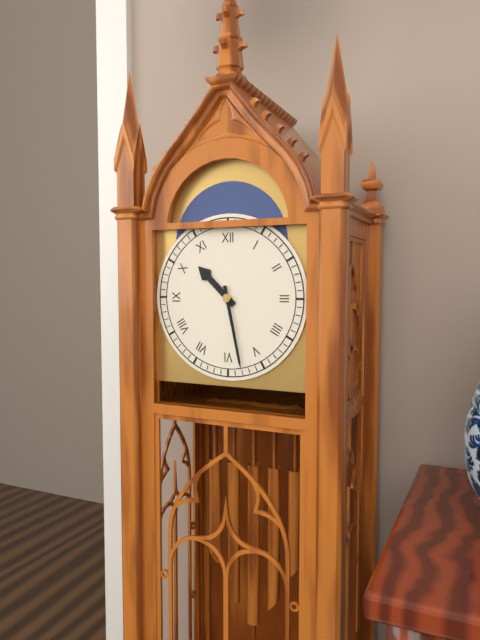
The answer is 10h28
